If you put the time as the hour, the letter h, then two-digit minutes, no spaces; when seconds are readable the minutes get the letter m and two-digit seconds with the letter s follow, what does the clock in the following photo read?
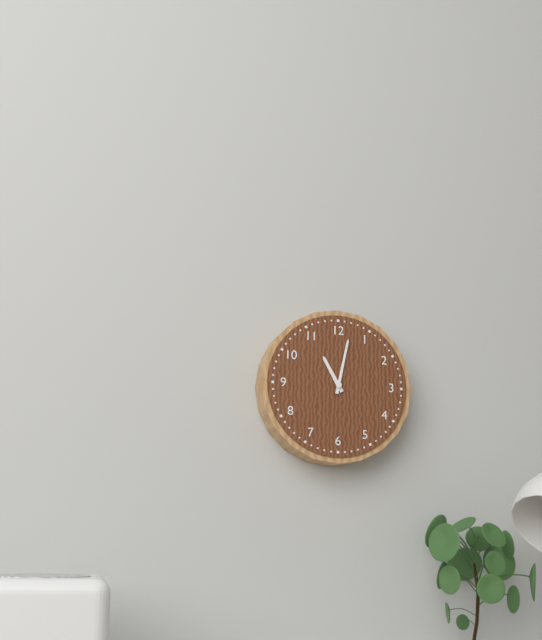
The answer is 11h02
